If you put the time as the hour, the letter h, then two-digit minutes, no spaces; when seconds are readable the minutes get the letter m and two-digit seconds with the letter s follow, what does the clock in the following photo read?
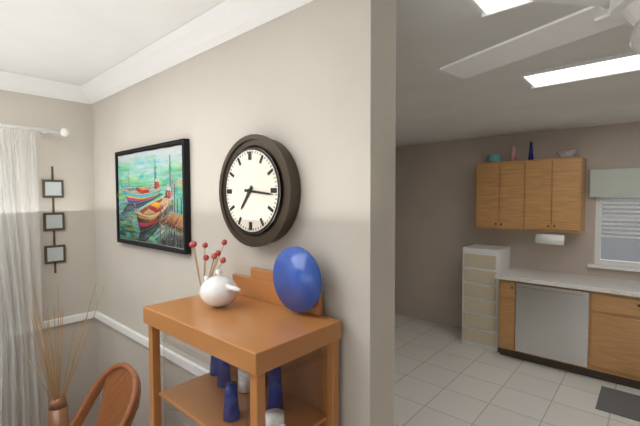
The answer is 7h16
